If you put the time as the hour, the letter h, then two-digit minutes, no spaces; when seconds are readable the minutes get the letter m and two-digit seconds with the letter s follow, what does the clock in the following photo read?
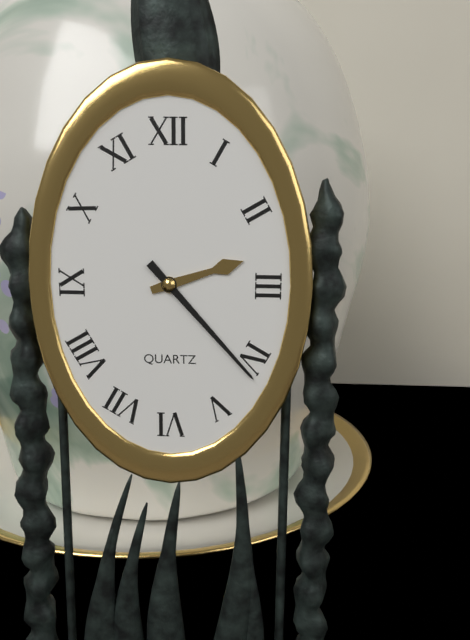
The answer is 2h23
